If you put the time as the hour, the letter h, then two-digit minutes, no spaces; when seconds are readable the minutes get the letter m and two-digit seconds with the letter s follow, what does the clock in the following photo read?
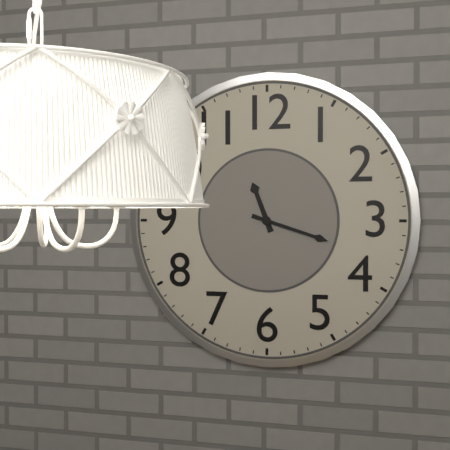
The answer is 11h18
